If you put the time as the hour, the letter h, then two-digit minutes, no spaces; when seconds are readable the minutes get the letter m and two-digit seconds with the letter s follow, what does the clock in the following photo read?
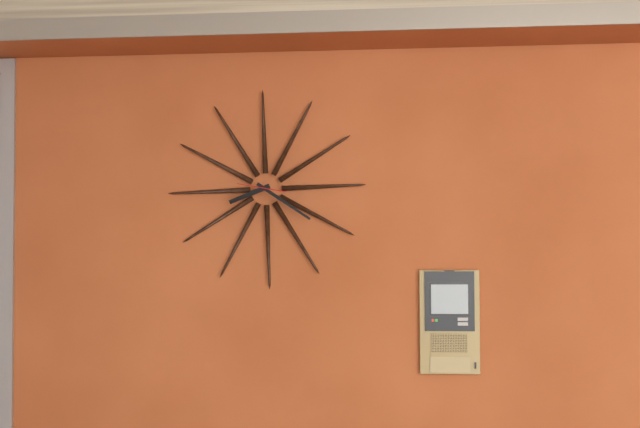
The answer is 8h21
